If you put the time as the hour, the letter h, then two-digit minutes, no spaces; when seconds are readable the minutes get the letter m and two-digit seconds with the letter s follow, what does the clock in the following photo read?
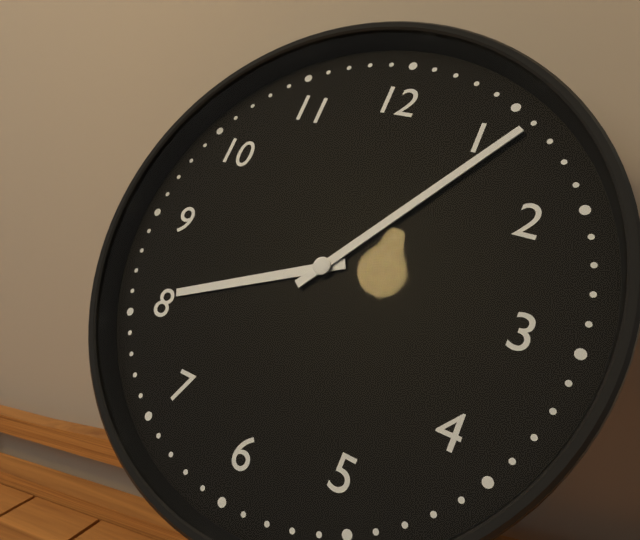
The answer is 8h06
